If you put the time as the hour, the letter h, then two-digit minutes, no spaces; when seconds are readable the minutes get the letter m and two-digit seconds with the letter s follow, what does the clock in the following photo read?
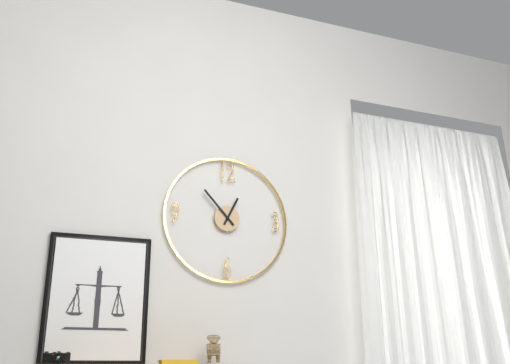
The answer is 12h53
